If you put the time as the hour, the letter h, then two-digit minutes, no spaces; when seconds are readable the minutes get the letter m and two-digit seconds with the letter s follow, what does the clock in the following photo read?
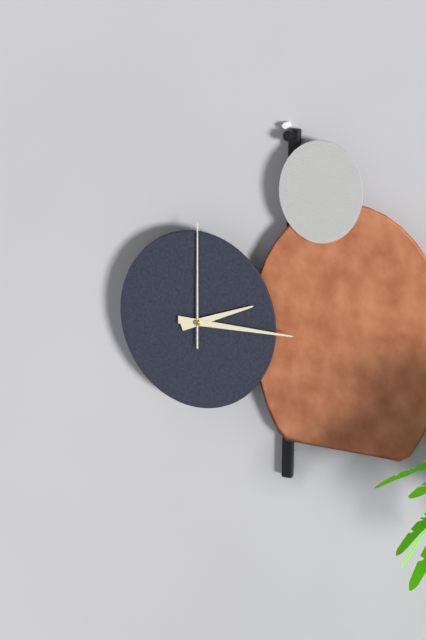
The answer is 2h15m00s
